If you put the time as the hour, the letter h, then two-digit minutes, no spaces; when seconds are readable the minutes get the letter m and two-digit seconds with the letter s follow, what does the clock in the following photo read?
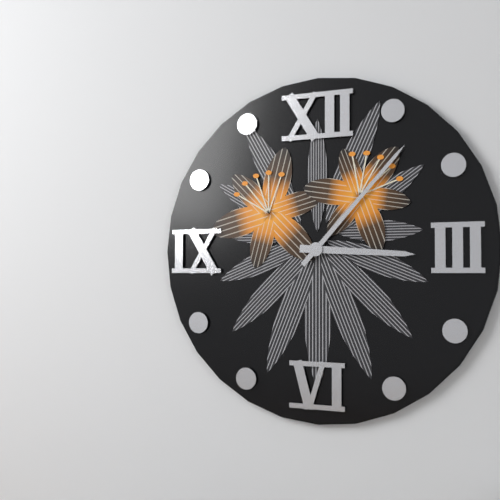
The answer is 3h07
